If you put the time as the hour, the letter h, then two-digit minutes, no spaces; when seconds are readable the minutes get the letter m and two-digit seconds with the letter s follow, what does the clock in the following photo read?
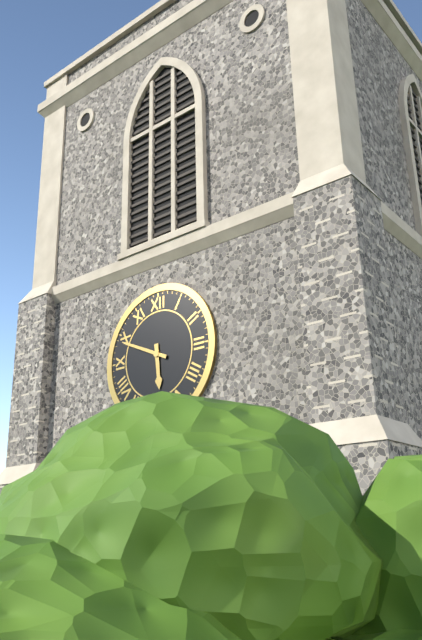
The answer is 5h49
